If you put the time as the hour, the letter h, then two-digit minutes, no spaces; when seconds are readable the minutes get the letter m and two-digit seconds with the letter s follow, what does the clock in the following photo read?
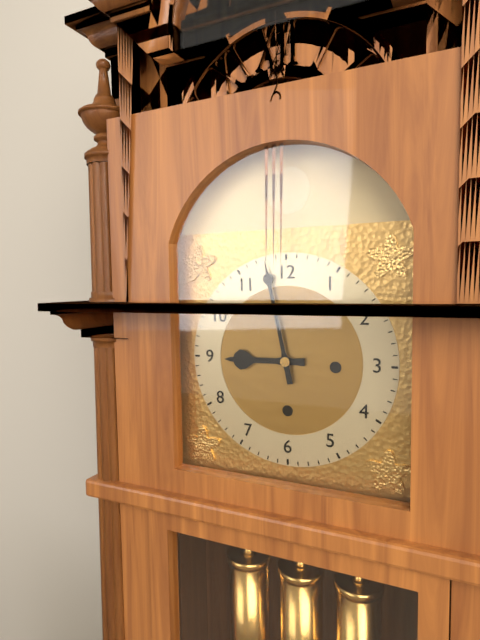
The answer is 8h58
